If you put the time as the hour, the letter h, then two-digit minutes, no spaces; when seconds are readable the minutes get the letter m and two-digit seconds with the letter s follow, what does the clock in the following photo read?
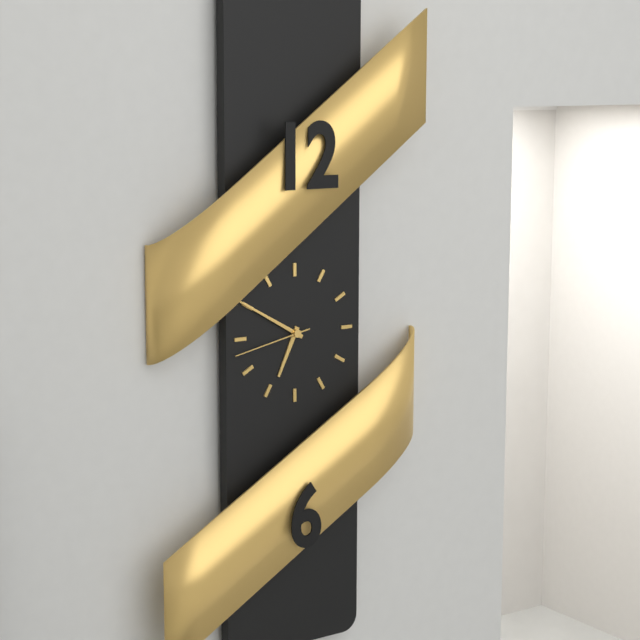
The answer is 6h50m43s
